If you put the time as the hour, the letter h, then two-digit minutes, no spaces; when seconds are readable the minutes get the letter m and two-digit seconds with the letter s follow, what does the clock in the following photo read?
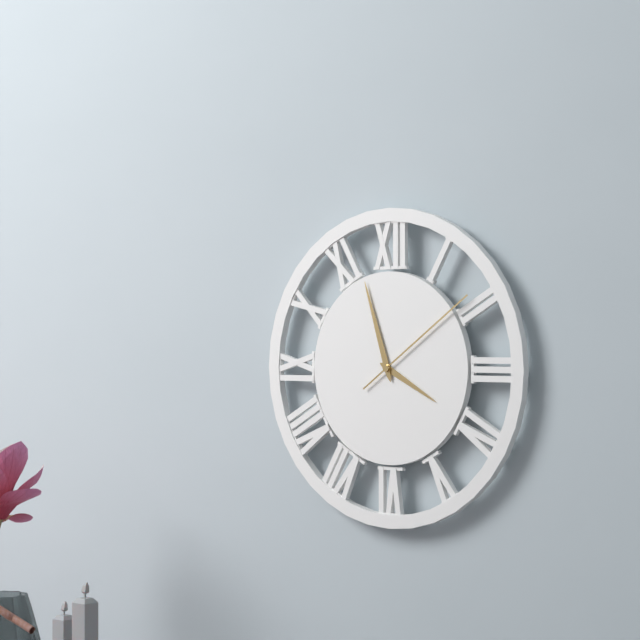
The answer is 3h57m09s
